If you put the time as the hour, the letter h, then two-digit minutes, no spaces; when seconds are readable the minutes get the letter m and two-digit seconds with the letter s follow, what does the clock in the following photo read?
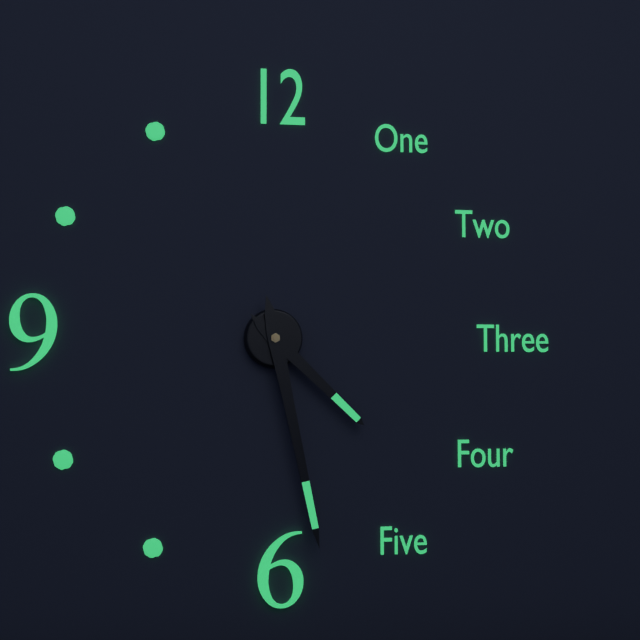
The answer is 4h28
